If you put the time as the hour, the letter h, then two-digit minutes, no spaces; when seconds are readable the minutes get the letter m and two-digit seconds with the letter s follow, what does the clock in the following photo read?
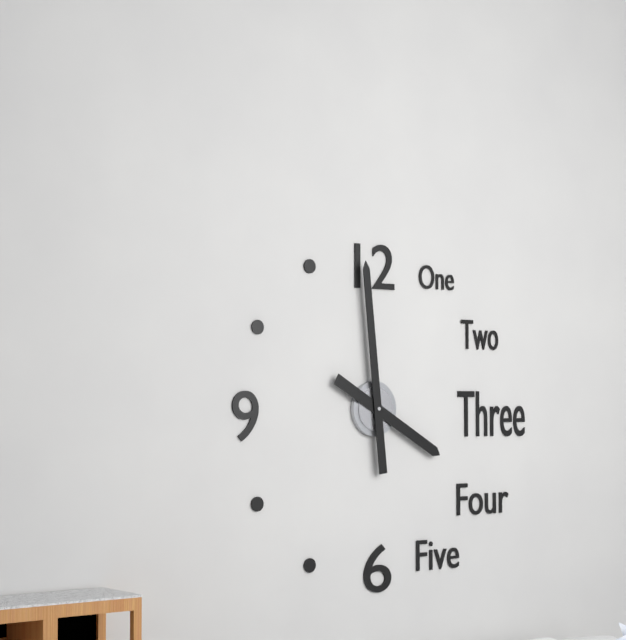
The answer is 3h59
